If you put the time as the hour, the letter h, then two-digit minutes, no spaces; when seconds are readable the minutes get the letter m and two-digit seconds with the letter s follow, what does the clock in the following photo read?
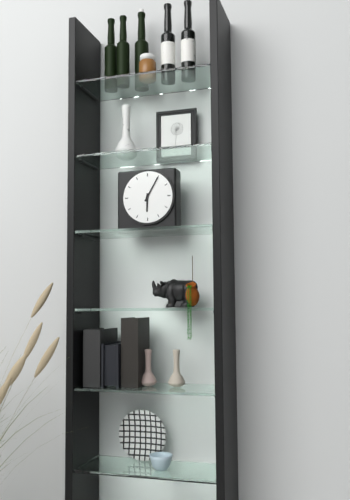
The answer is 6h05
